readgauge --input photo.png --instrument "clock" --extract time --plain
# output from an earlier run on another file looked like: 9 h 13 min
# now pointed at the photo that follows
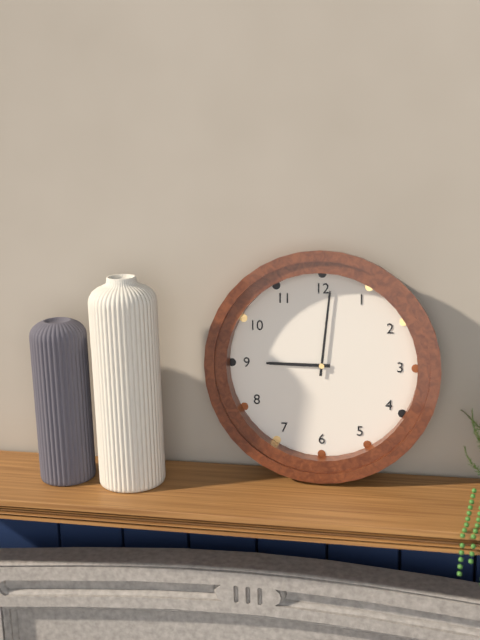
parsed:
9 h 01 min
